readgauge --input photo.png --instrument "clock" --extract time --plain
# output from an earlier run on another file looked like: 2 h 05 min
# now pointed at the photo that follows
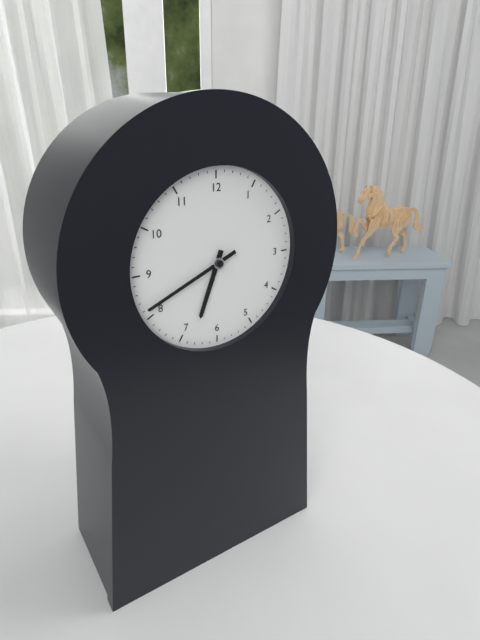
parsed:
6 h 41 min
